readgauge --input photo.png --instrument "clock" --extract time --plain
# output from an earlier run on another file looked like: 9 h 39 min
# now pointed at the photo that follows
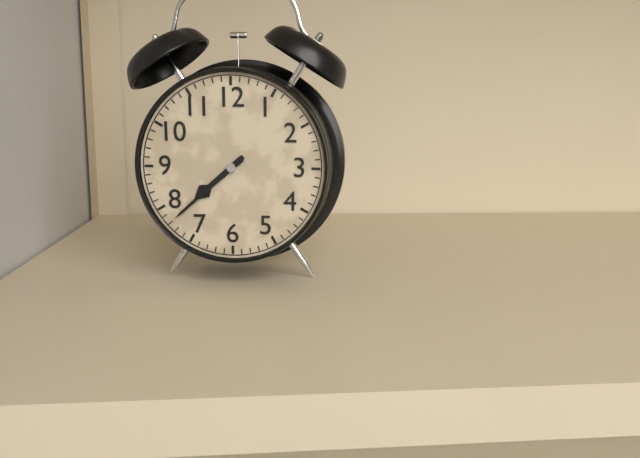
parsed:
7 h 38 min
